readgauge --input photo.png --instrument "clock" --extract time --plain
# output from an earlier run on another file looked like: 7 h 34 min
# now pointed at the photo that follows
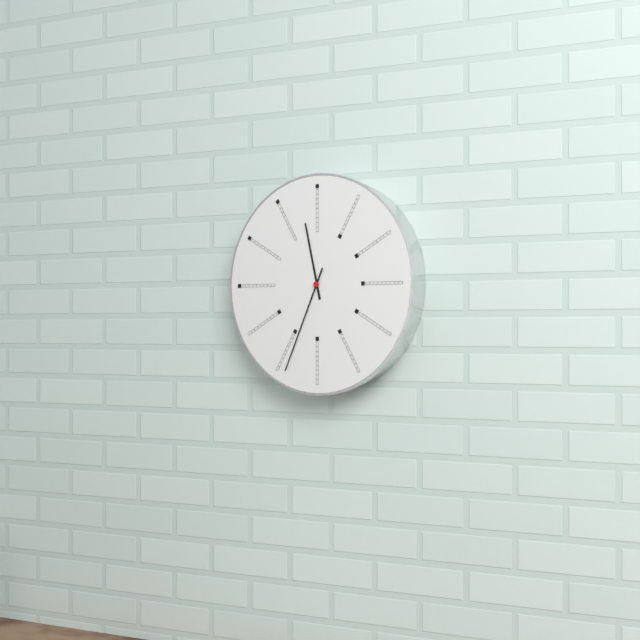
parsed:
11 h 34 min
